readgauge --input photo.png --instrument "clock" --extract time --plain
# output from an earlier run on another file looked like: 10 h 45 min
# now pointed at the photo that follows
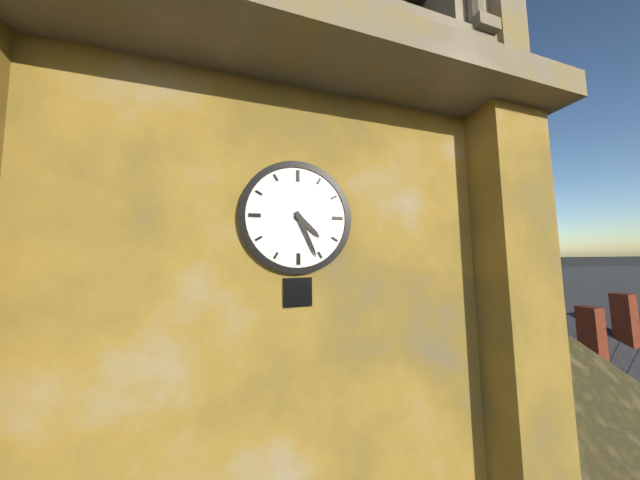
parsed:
4 h 26 min
